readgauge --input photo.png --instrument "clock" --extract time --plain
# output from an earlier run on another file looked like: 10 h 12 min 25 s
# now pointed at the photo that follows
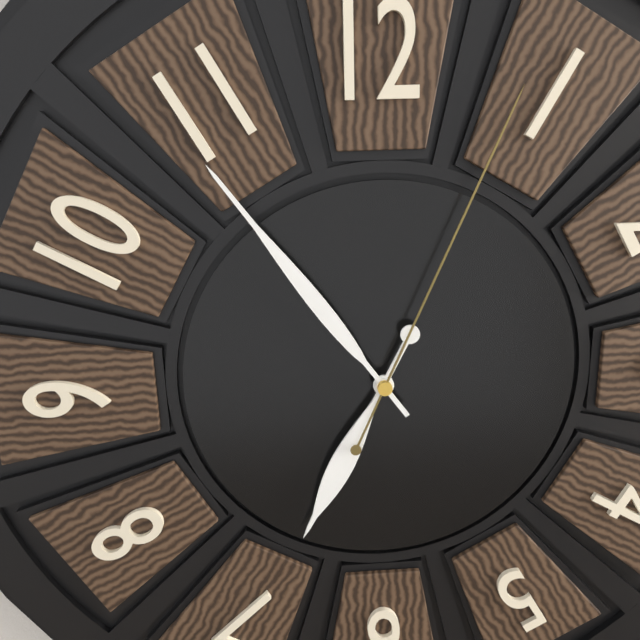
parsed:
6 h 54 min 04 s
